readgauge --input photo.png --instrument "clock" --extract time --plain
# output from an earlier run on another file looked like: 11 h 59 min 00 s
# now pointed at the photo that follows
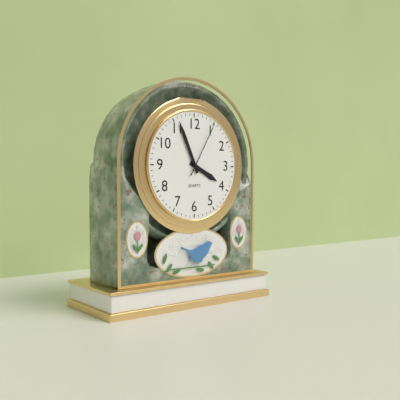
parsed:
3 h 56 min 05 s
